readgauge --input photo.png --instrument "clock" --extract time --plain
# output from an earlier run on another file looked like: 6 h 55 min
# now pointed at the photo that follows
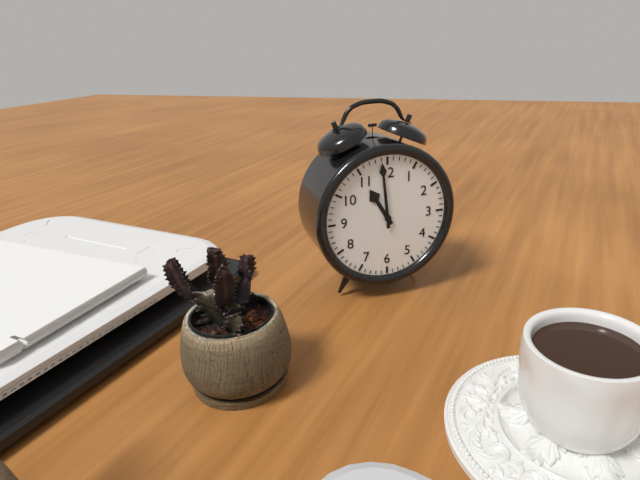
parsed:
10 h 59 min
